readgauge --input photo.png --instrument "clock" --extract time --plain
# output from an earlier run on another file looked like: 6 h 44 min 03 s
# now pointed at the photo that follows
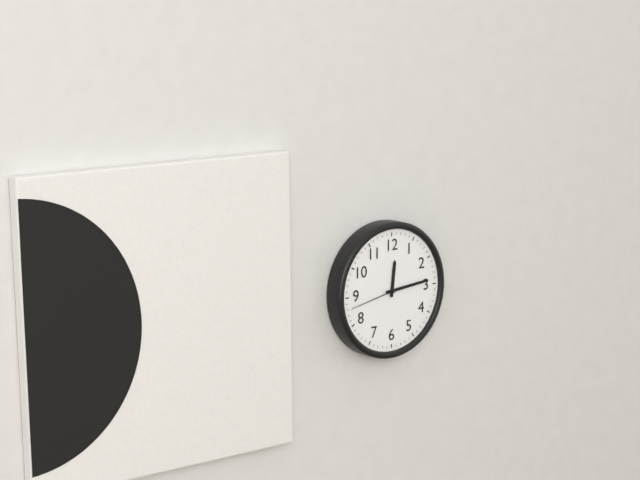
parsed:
12 h 14 min 43 s
